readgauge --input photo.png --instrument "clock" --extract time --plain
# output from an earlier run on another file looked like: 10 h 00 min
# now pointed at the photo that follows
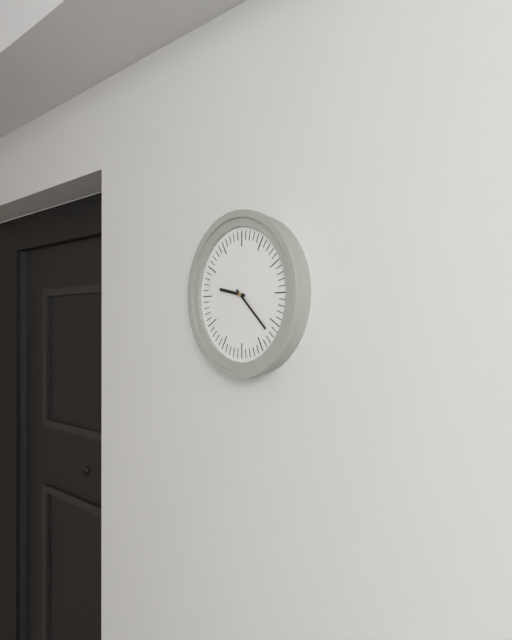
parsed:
9 h 22 min
